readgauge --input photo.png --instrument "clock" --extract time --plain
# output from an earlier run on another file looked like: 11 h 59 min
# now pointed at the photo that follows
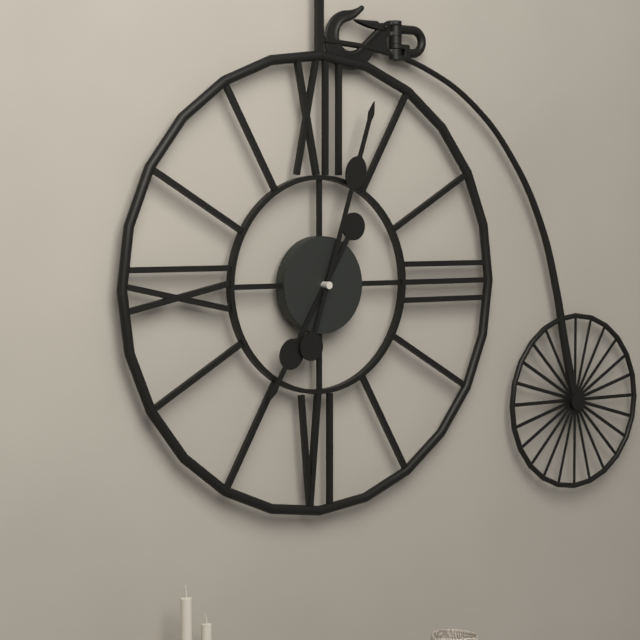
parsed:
7 h 03 min
